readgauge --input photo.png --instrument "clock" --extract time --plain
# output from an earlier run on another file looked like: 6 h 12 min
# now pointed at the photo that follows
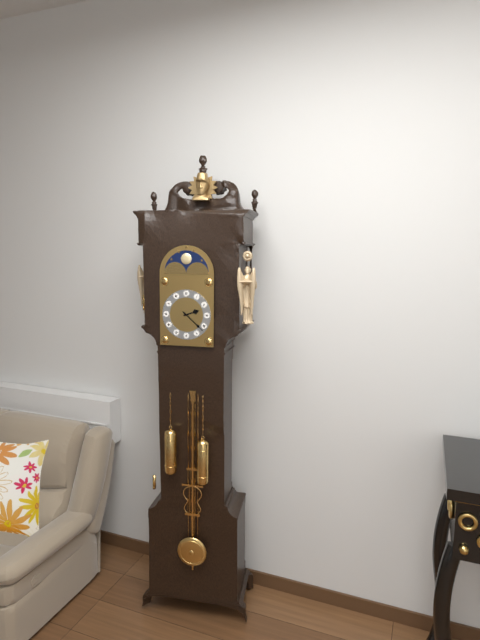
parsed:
2 h 22 min
